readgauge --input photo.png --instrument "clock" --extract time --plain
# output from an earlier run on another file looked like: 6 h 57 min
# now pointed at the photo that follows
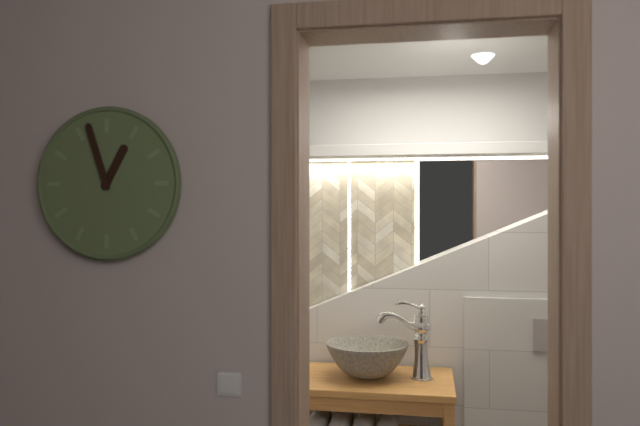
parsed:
12 h 57 min
